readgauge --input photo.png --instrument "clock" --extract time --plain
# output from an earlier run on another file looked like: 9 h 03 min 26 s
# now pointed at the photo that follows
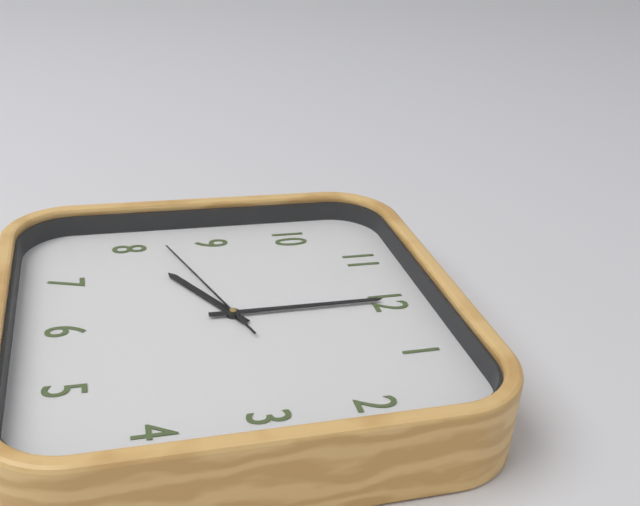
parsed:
8 h 00 min 42 s
